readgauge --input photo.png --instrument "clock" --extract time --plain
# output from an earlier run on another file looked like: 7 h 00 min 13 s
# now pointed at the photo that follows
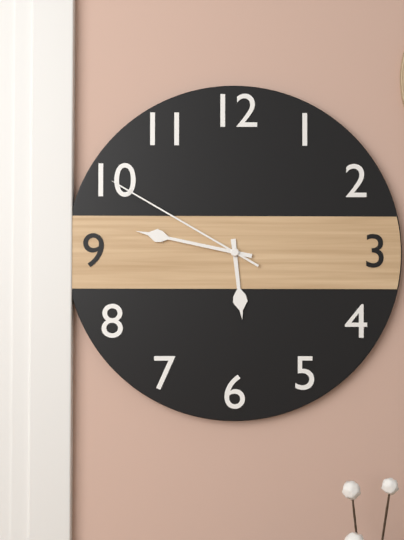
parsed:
5 h 47 min 50 s
